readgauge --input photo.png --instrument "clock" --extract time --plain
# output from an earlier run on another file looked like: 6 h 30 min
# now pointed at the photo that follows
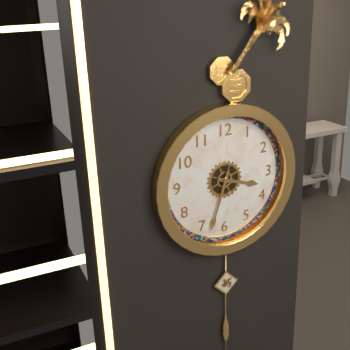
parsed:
3 h 33 min
